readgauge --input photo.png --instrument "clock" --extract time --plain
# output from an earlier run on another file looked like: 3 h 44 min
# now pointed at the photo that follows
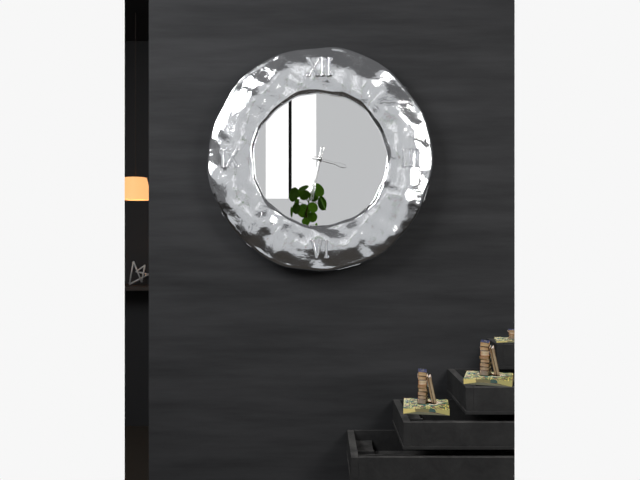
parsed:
3 h 32 min
